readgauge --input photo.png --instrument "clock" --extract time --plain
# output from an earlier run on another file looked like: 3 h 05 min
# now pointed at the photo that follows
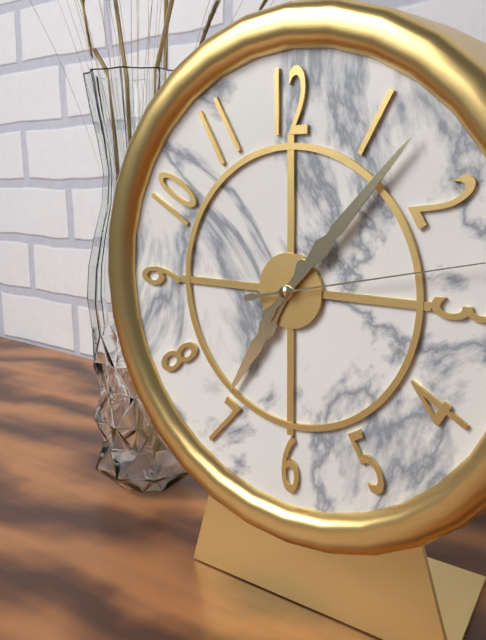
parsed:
7 h 07 min
